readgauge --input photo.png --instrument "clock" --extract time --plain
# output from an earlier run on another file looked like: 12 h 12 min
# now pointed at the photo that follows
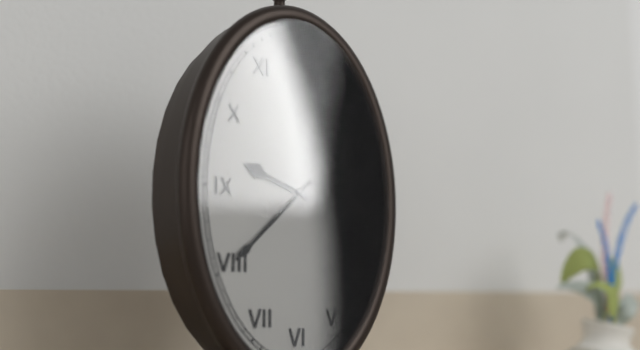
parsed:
9 h 38 min
